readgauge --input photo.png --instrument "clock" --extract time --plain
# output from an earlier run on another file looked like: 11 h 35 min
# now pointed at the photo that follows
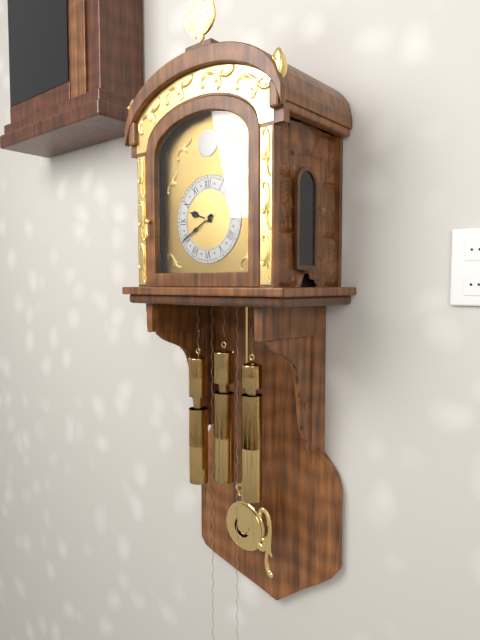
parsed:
9 h 40 min
